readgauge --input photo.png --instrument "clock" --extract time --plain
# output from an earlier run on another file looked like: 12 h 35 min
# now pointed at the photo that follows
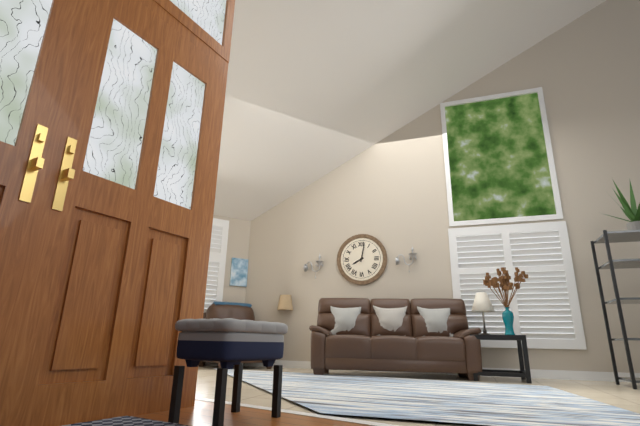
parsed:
8 h 02 min
